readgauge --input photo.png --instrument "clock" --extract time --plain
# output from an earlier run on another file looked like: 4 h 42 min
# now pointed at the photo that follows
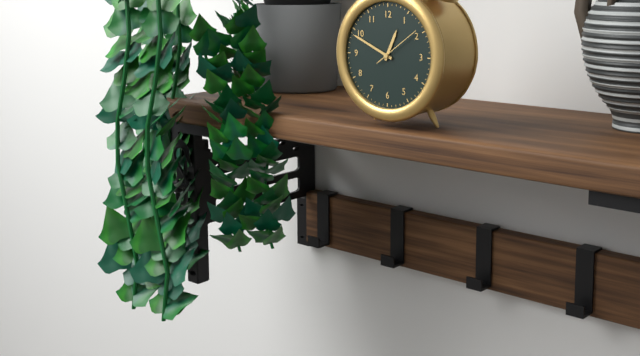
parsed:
12 h 49 min
